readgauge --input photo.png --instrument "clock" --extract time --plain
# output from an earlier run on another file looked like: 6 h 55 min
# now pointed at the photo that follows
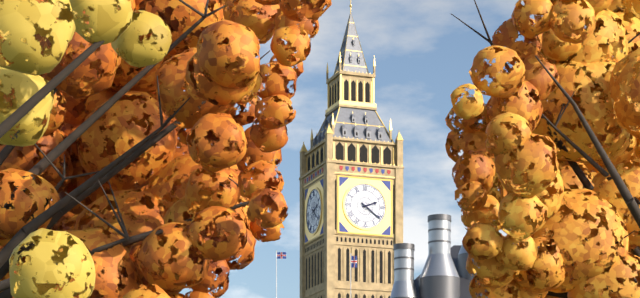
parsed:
2 h 21 min
